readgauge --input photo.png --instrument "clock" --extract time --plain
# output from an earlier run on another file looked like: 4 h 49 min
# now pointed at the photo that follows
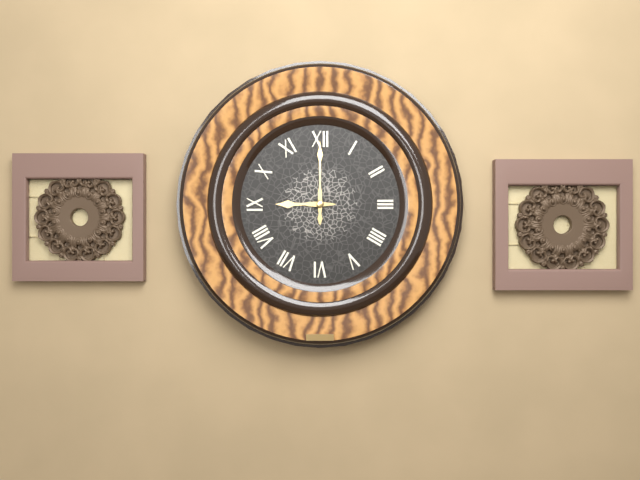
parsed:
9 h 00 min
